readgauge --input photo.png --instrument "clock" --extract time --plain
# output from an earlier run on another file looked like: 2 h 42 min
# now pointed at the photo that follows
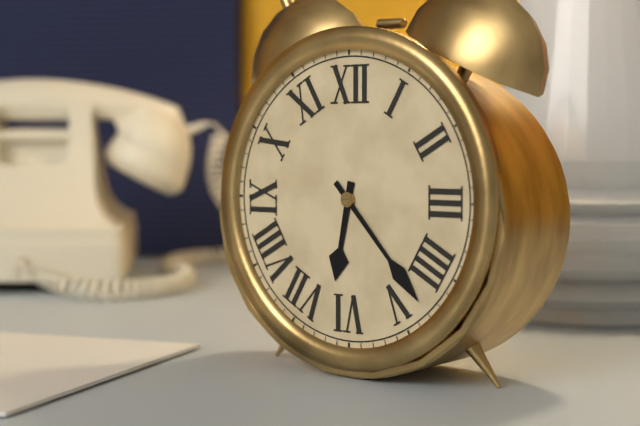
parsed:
6 h 23 min
